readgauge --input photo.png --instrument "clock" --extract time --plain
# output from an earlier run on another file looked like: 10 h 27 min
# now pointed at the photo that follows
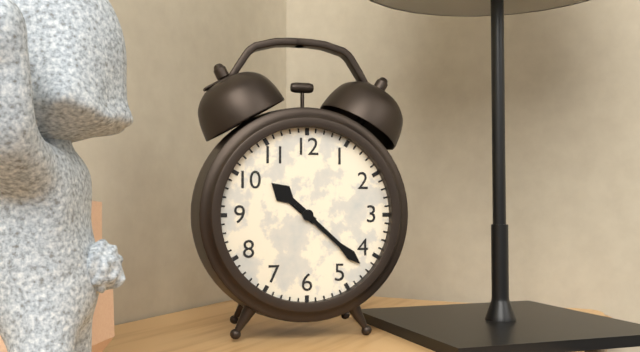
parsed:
10 h 22 min
